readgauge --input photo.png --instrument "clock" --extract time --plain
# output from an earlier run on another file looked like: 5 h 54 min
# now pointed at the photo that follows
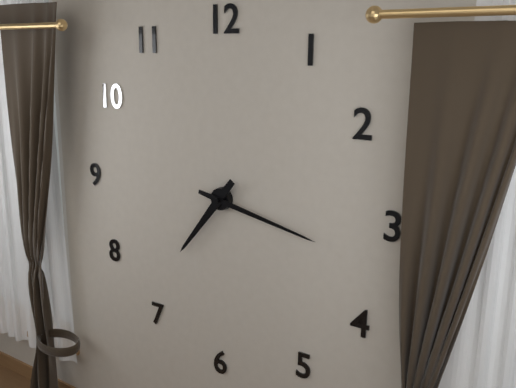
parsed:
7 h 17 min
